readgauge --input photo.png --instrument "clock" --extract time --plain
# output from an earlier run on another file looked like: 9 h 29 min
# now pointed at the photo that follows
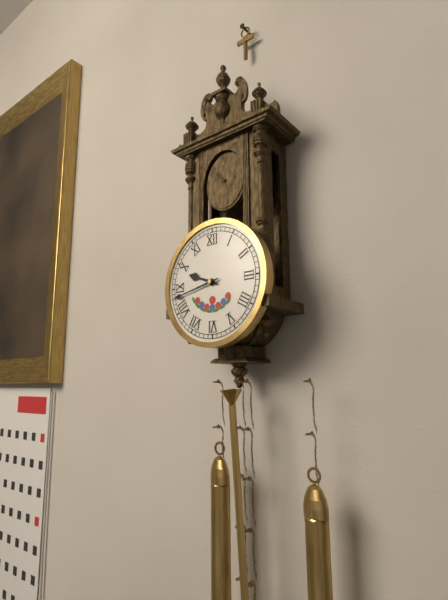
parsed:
9 h 43 min
